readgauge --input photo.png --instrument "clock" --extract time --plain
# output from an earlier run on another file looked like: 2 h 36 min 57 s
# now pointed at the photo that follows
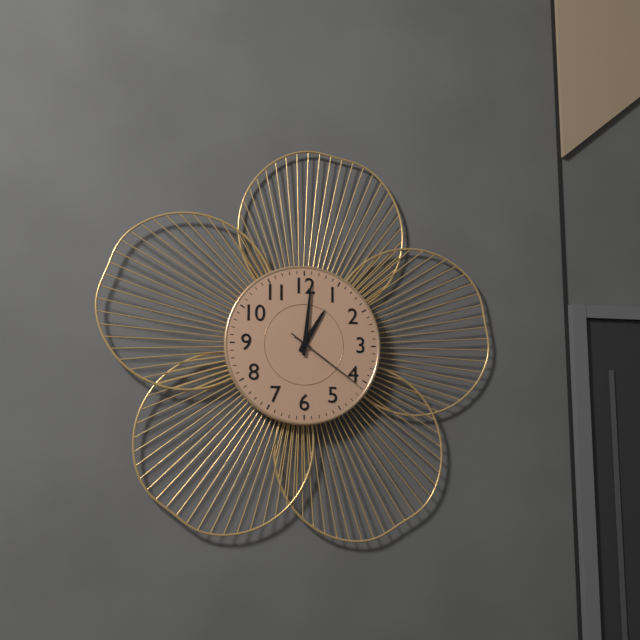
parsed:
1 h 01 min 21 s
